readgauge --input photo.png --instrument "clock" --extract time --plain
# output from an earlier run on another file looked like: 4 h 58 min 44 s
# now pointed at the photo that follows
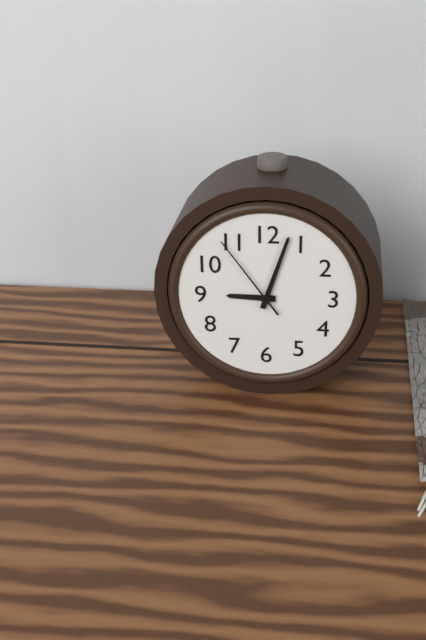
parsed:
9 h 03 min 54 s
